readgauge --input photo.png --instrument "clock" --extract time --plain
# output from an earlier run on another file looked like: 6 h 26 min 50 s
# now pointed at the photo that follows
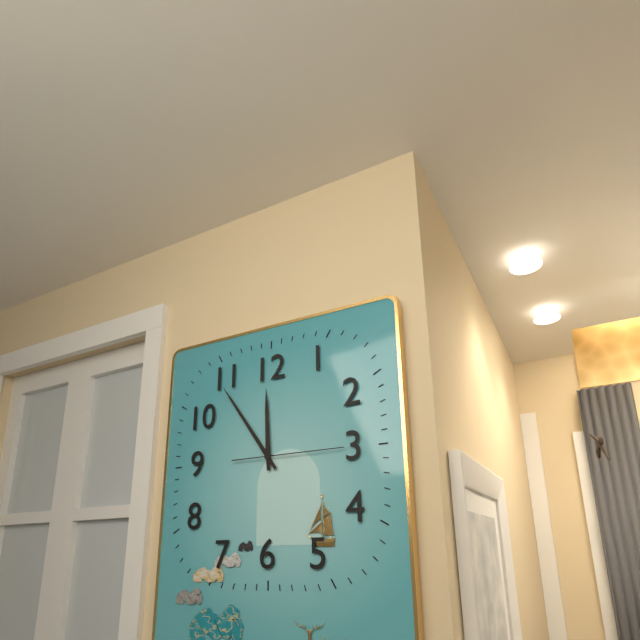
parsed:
11 h 54 min 15 s
